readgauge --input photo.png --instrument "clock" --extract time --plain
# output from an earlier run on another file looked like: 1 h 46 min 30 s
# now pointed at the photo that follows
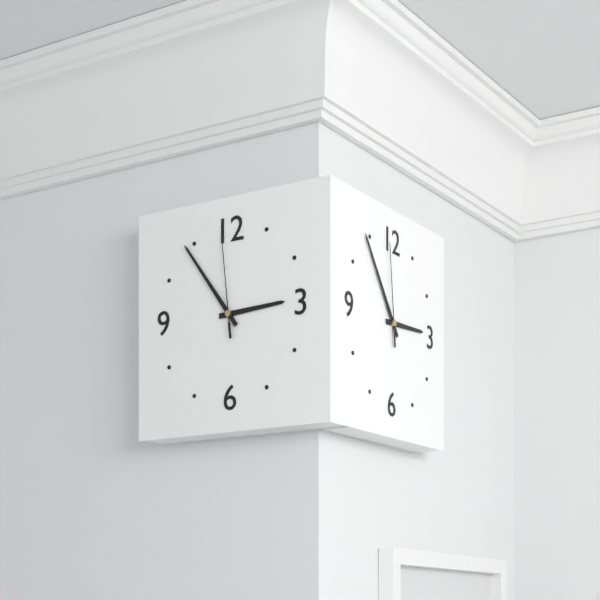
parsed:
2 h 54 min 59 s
